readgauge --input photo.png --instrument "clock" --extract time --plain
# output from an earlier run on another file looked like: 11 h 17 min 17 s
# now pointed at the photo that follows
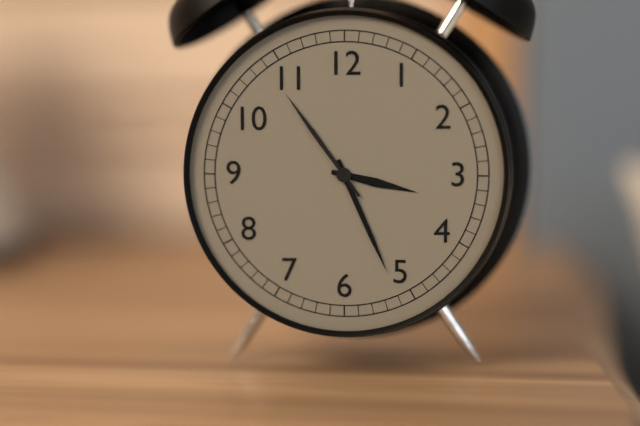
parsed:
3 h 26 min 54 s
